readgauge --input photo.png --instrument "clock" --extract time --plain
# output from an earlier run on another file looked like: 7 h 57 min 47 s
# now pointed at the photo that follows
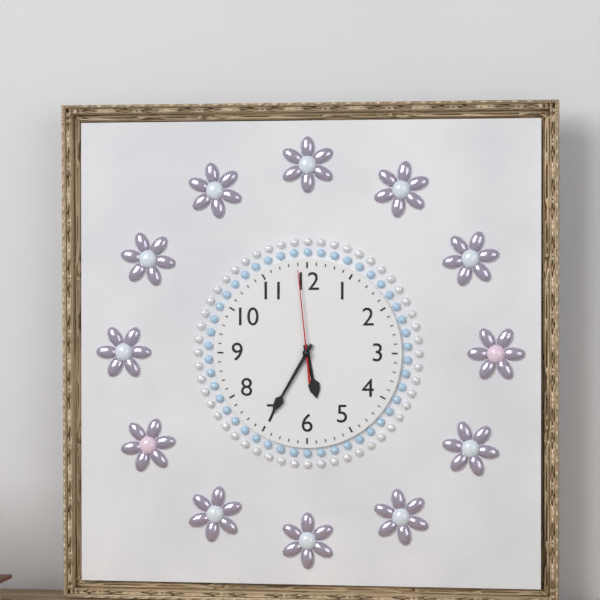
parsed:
5 h 35 min 59 s
